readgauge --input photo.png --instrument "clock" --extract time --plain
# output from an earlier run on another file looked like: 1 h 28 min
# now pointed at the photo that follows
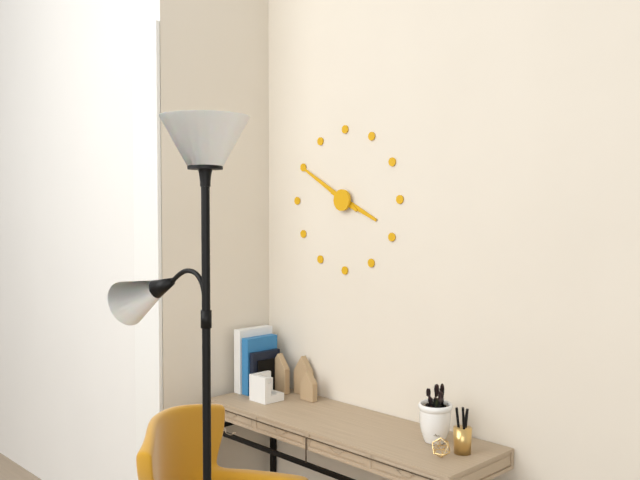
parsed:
3 h 50 min
